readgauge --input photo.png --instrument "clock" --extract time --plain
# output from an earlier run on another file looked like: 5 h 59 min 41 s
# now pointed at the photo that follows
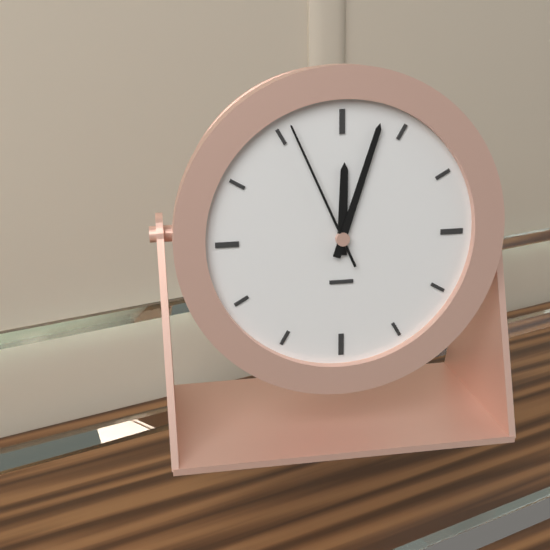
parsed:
12 h 03 min 56 s
